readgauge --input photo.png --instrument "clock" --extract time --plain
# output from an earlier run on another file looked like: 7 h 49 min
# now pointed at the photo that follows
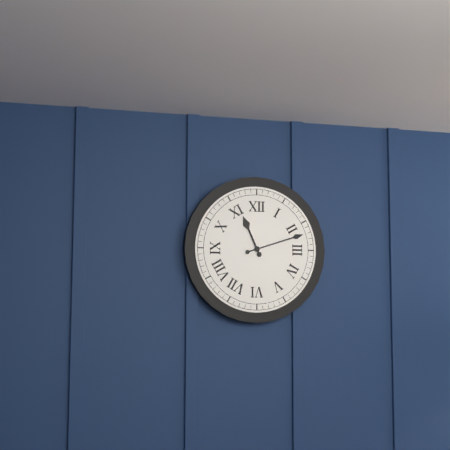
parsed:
11 h 12 min
